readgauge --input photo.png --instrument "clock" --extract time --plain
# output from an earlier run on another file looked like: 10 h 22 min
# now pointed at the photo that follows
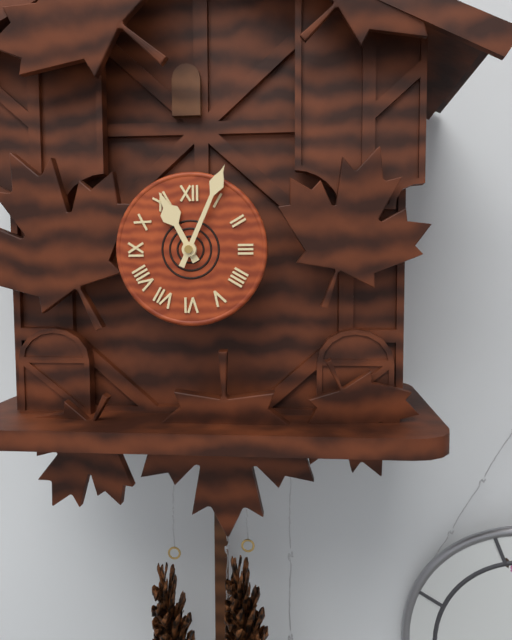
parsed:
11 h 04 min
